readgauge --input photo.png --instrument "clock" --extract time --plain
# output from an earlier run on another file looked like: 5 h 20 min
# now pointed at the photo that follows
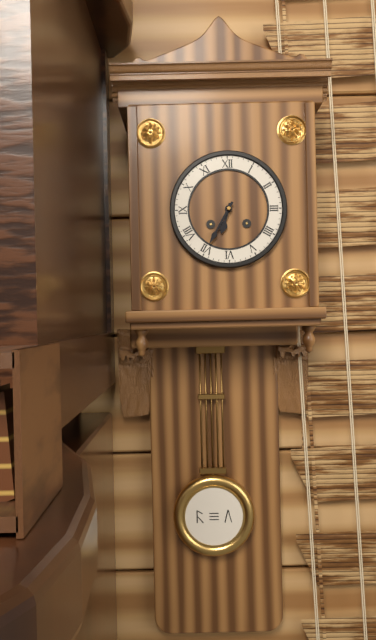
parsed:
6 h 35 min
